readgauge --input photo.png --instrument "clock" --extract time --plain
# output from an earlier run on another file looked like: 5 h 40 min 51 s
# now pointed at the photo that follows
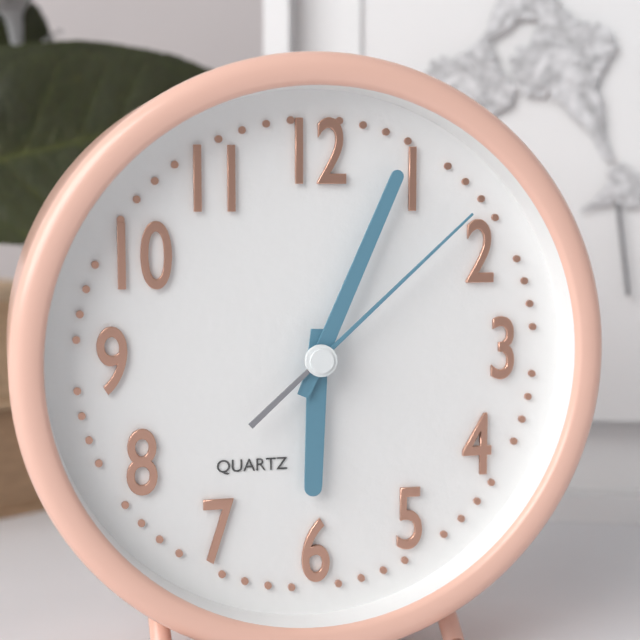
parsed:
6 h 04 min 08 s
